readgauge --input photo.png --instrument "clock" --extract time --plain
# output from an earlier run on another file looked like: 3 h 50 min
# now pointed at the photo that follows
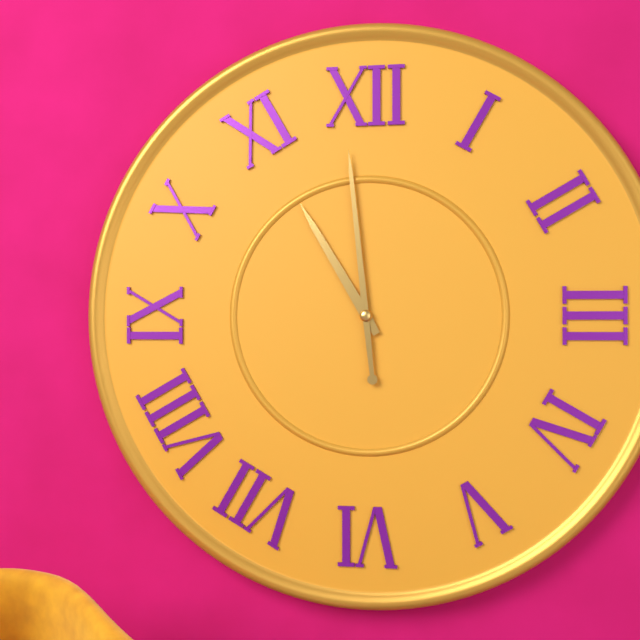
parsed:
10 h 59 min
